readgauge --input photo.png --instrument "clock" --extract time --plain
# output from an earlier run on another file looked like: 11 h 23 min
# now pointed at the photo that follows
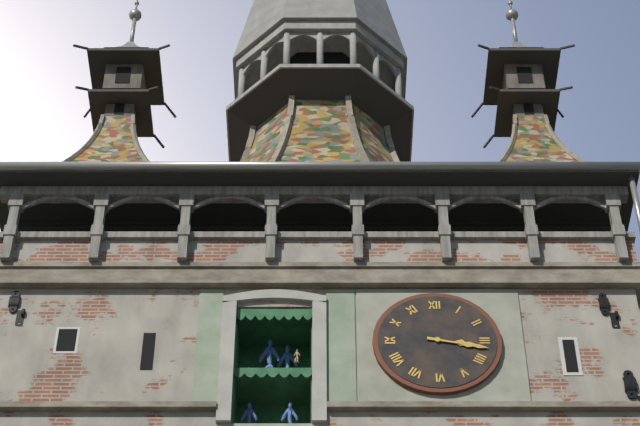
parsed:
3 h 17 min
